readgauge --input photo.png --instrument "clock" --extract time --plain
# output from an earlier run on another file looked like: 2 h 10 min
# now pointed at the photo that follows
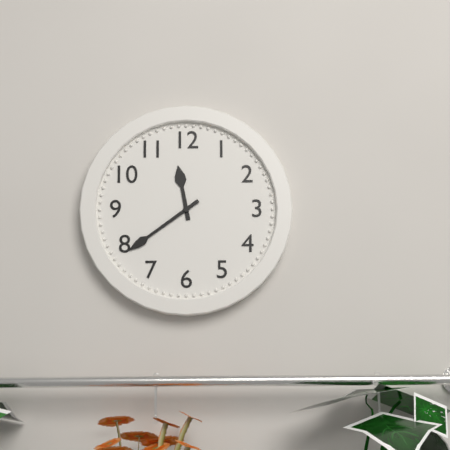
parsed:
11 h 39 min
